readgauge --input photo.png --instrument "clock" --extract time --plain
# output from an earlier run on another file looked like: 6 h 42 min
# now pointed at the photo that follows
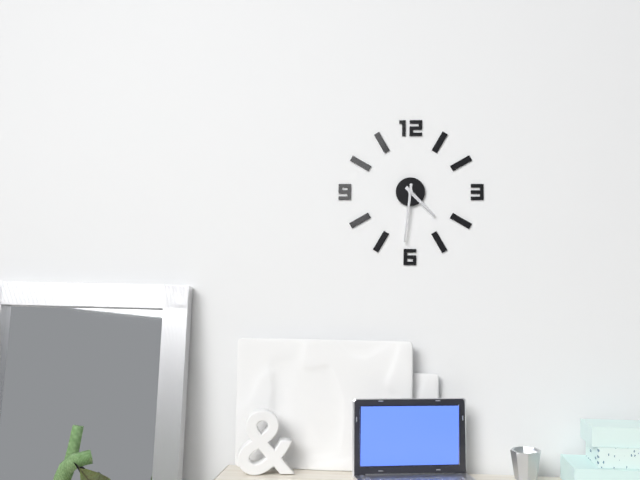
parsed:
4 h 31 min
